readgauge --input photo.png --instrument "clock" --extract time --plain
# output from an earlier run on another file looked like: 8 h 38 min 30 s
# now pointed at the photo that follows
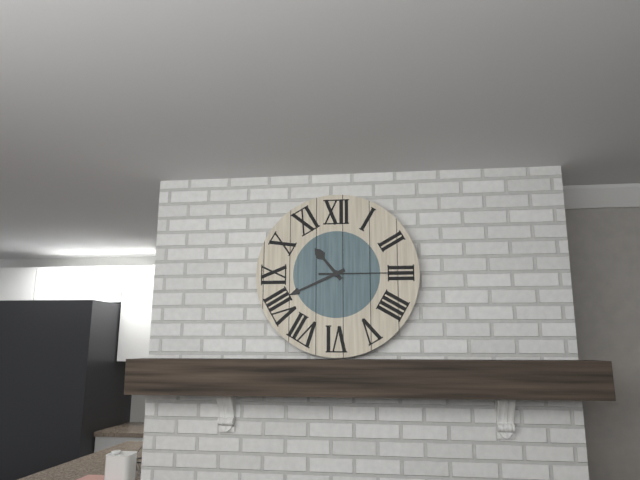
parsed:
10 h 41 min 15 s
